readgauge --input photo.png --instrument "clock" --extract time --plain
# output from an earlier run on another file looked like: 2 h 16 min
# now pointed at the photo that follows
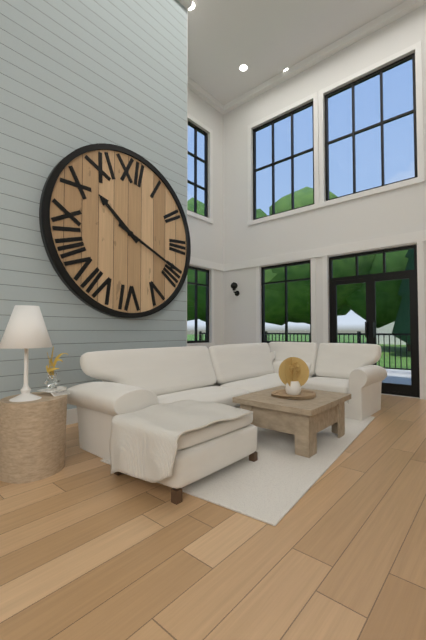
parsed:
10 h 19 min
